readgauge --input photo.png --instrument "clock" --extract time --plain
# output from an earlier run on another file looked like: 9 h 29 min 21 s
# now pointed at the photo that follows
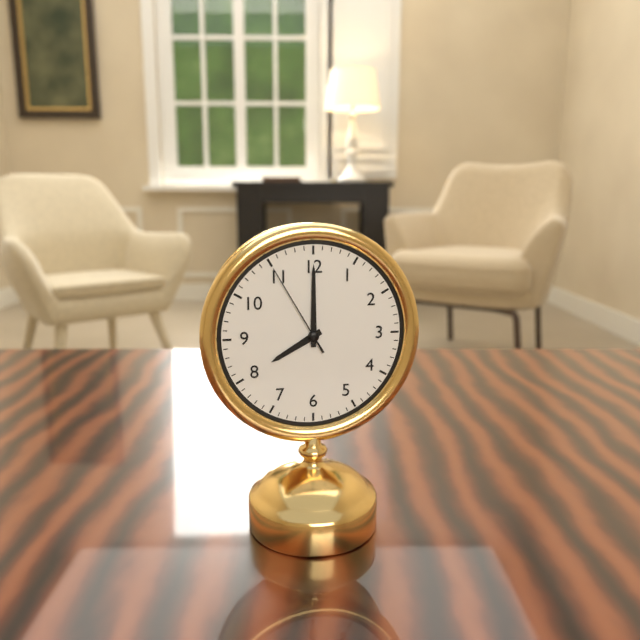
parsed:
8 h 00 min 55 s
